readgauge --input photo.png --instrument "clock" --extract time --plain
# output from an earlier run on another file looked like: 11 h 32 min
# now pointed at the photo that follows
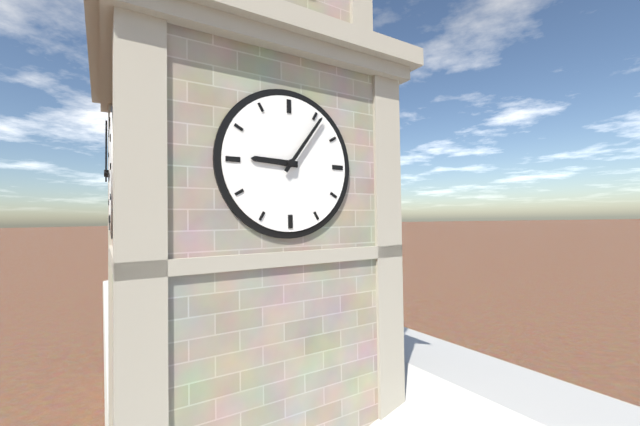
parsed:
9 h 06 min
